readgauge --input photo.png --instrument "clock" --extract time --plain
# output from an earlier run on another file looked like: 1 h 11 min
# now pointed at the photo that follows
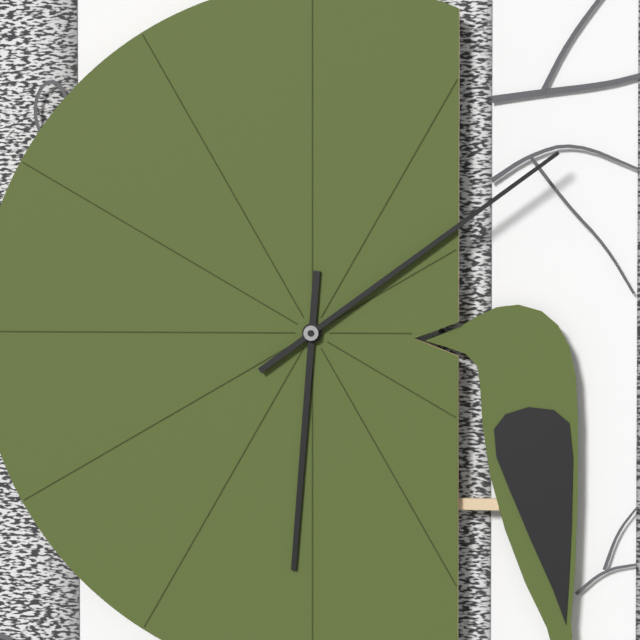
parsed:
6 h 09 min
